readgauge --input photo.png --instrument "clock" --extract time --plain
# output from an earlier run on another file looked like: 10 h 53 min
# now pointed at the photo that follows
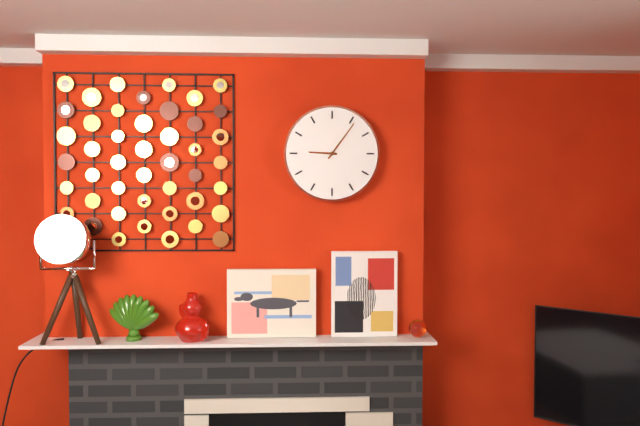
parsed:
9 h 06 min
